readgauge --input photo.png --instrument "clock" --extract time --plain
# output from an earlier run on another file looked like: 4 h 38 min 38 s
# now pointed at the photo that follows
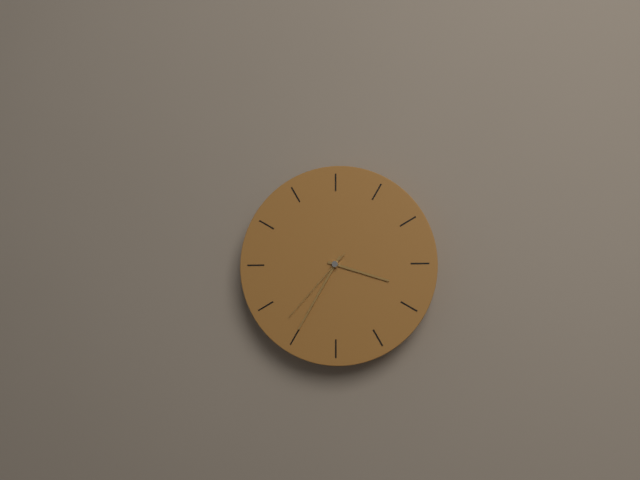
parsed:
3 h 35 min 37 s
